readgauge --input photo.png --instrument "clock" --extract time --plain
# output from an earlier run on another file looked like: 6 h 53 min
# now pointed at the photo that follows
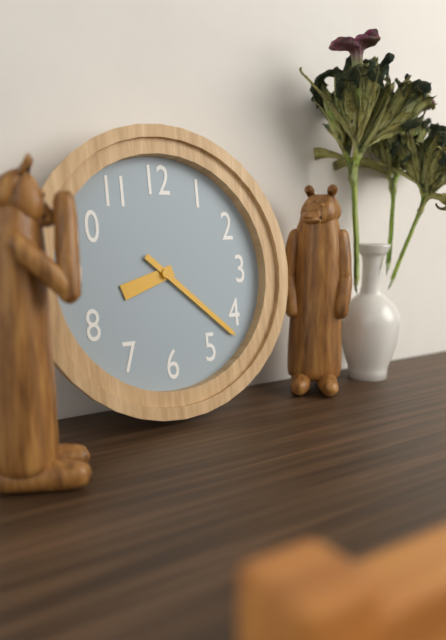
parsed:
8 h 22 min
